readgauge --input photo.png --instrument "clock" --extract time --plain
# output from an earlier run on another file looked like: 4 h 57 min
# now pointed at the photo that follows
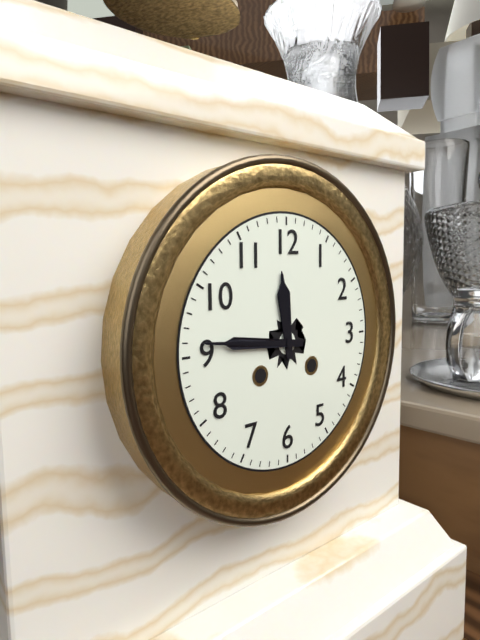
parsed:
11 h 46 min
